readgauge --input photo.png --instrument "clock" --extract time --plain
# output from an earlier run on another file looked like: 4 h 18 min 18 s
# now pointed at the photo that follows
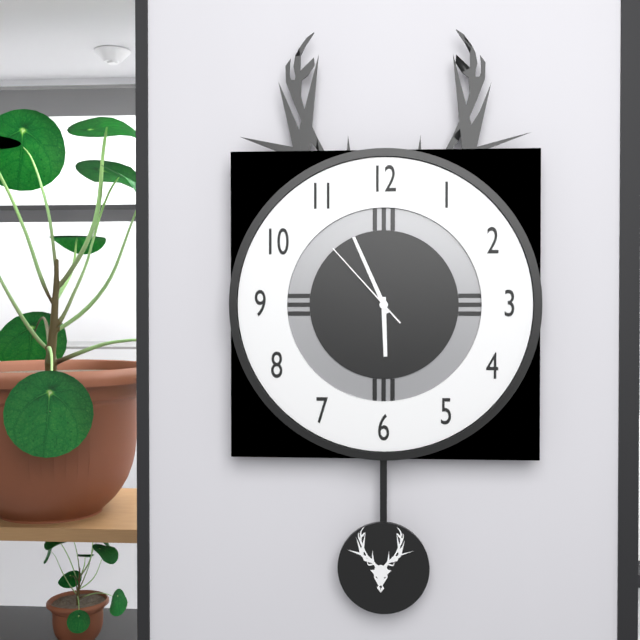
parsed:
5 h 56 min 53 s
